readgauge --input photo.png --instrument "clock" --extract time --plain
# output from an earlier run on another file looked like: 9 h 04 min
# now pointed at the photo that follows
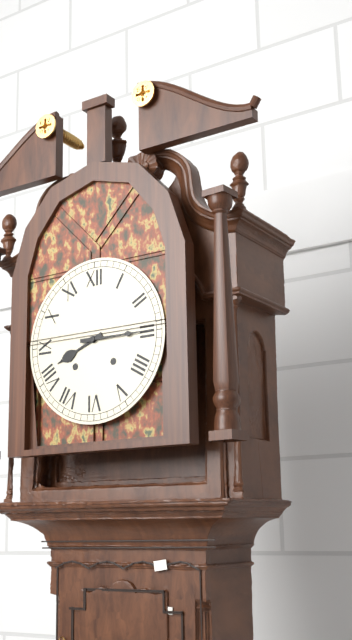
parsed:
8 h 15 min
